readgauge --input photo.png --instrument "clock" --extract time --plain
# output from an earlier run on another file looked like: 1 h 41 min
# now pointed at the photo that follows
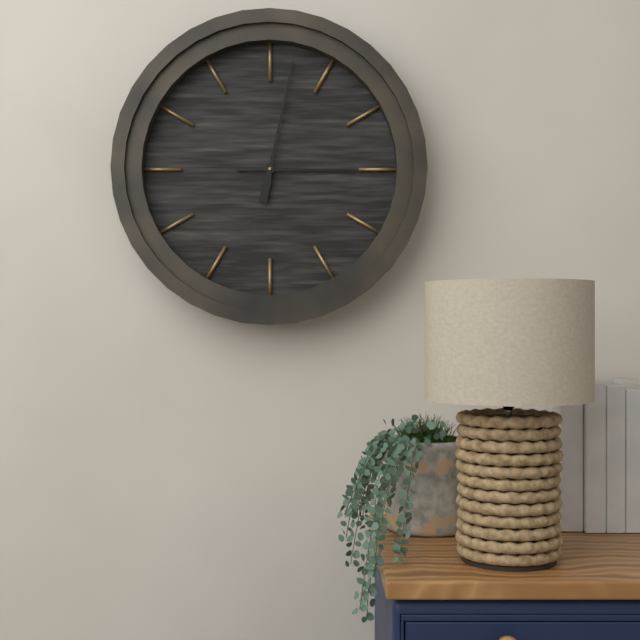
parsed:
3 h 02 min
